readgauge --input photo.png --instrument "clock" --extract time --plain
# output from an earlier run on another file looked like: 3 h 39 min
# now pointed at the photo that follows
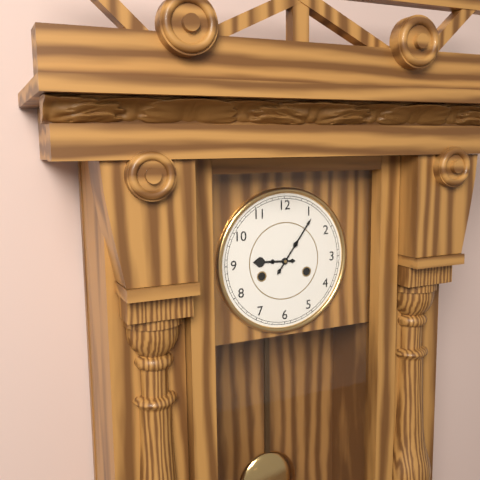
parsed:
9 h 06 min
